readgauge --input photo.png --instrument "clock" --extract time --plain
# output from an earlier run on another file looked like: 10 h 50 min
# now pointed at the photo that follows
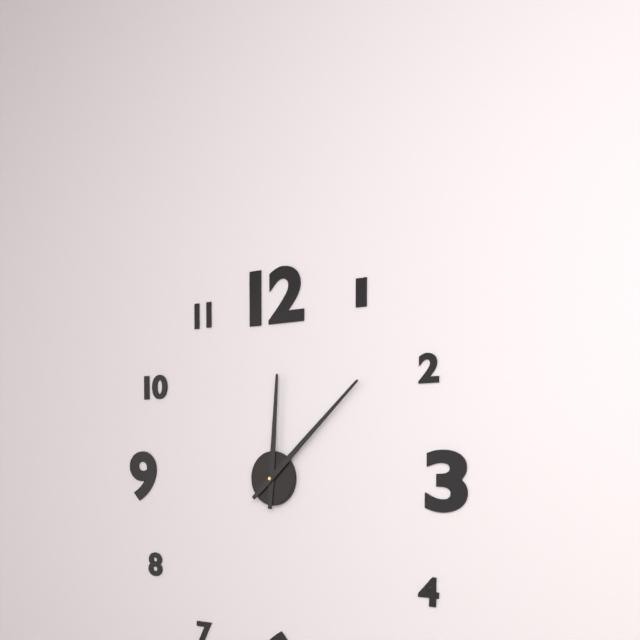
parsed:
12 h 08 min
